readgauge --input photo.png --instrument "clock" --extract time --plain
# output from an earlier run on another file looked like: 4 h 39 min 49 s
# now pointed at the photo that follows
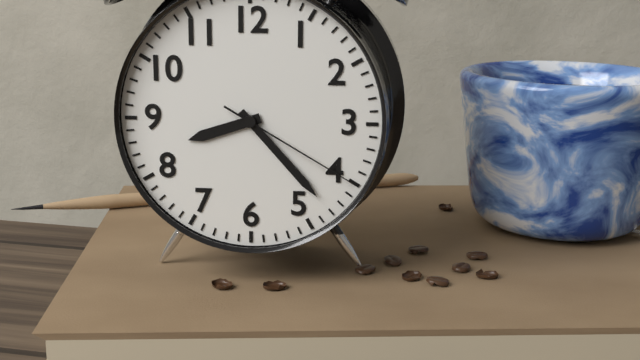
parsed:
8 h 23 min 20 s
